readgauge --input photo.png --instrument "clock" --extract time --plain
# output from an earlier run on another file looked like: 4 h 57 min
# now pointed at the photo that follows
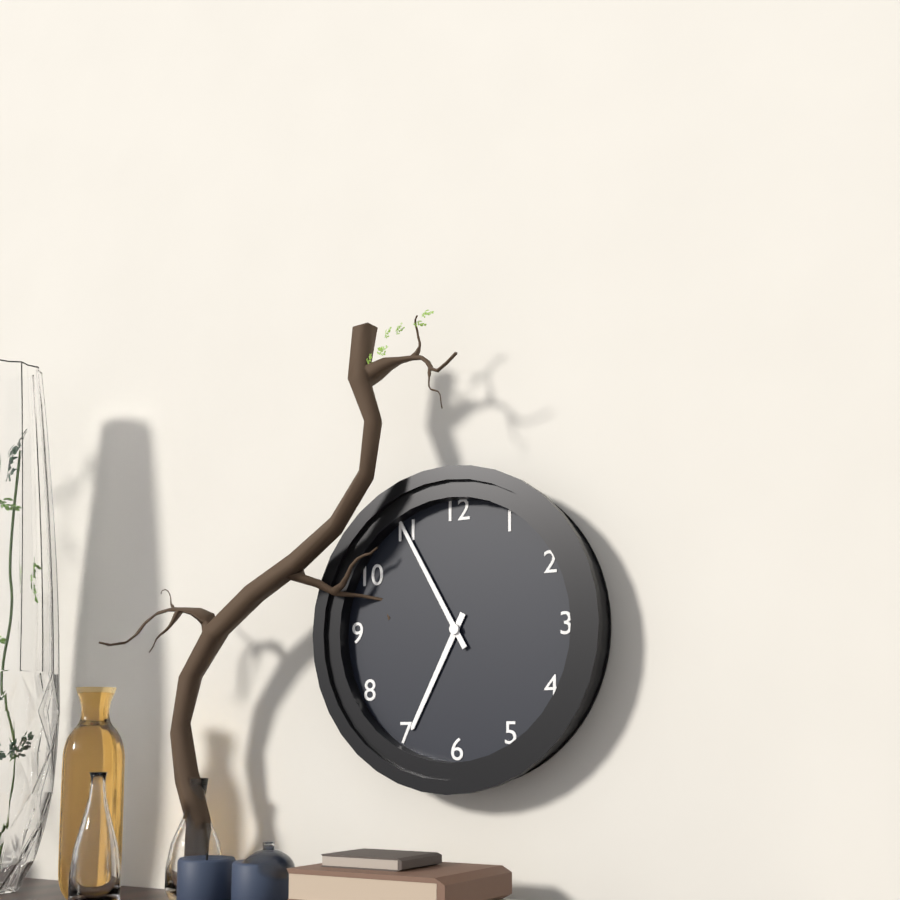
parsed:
6 h 55 min
